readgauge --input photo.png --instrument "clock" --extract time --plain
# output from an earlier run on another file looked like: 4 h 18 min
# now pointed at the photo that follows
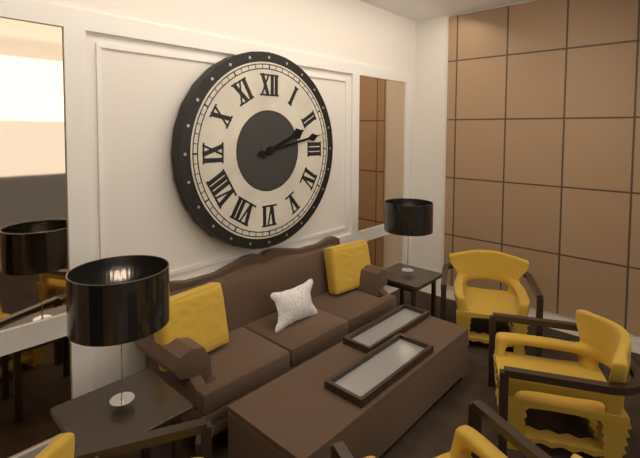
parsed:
2 h 13 min
